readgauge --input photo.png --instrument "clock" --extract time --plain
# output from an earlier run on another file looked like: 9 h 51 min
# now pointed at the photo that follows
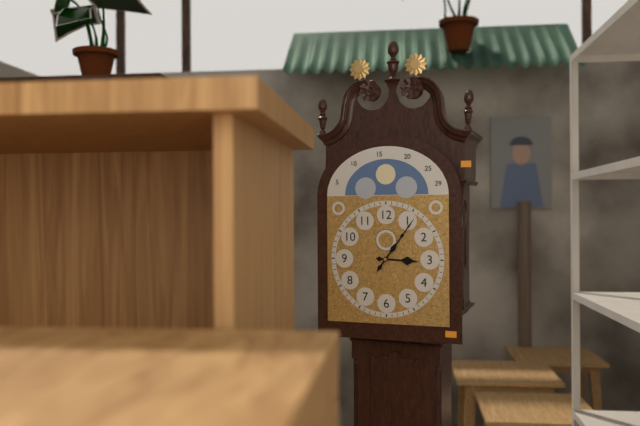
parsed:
3 h 06 min
